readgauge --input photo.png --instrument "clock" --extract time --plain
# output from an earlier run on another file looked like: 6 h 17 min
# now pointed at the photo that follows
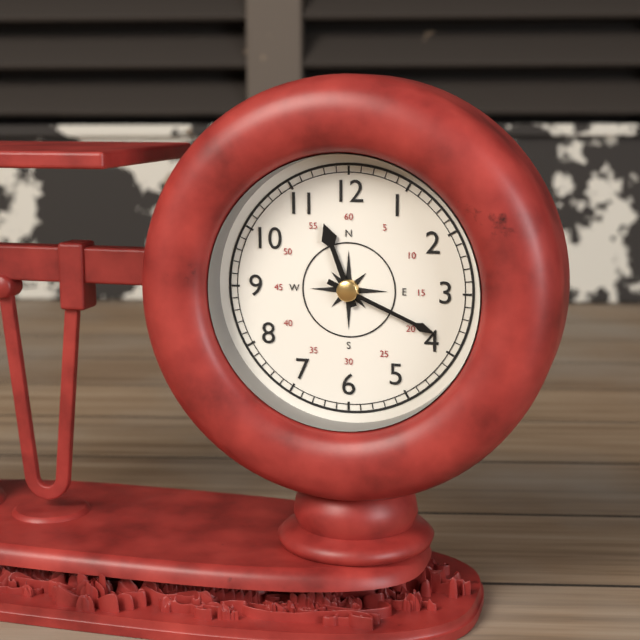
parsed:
11 h 19 min
